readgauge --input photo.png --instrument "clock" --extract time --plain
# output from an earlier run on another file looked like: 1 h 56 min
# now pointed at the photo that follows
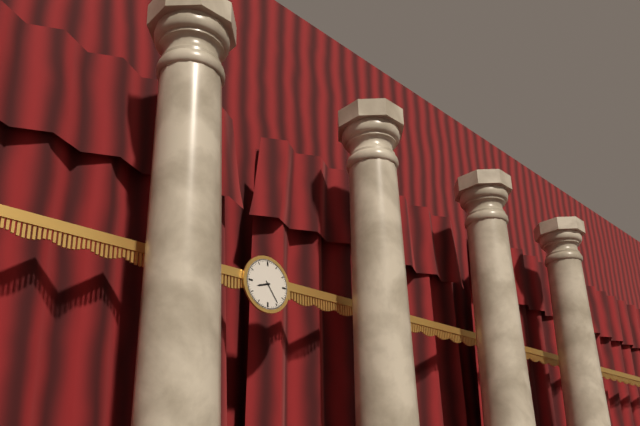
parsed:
8 h 24 min
